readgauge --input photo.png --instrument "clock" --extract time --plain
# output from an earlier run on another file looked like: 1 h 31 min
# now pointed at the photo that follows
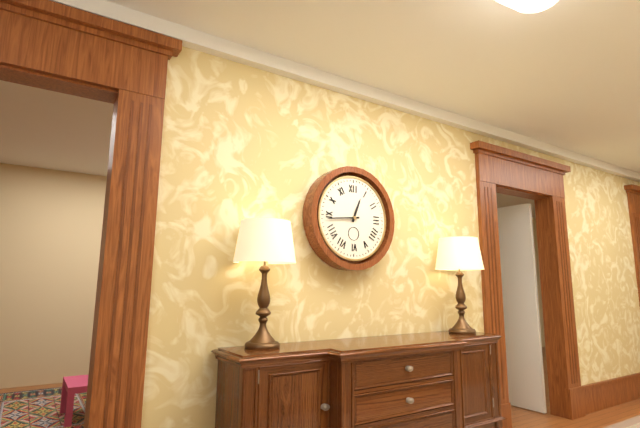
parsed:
12 h 44 min
